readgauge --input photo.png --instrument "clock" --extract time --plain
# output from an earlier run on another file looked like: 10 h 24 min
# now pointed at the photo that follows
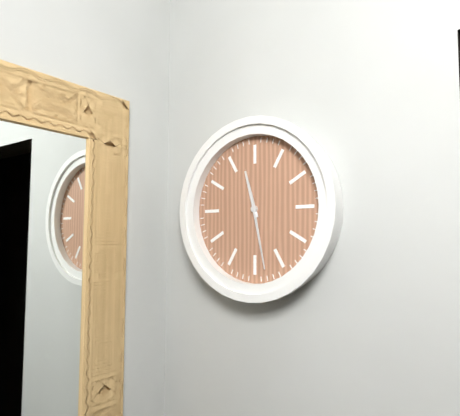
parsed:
11 h 28 min
